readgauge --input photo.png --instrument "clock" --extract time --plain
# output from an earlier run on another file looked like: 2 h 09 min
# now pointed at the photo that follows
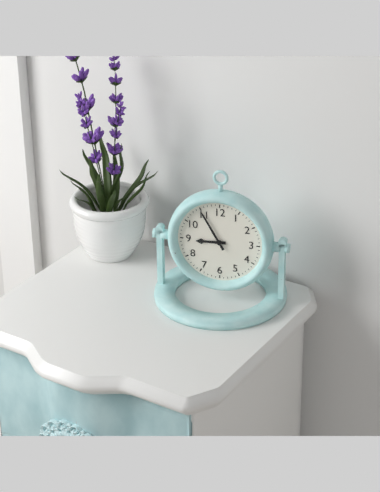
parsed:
8 h 55 min
